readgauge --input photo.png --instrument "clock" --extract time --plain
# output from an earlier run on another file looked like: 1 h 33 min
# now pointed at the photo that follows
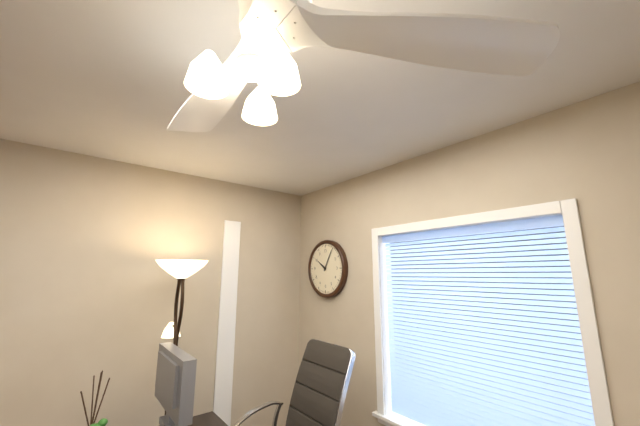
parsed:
10 h 05 min
